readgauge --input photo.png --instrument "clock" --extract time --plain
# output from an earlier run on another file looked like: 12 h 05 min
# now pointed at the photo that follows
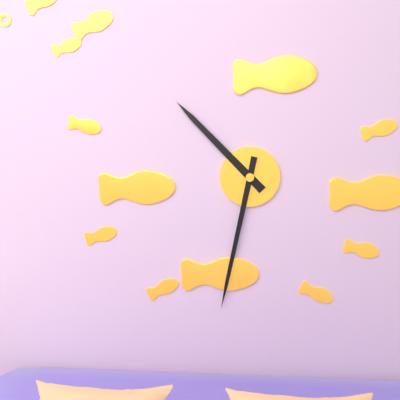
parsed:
10 h 32 min
